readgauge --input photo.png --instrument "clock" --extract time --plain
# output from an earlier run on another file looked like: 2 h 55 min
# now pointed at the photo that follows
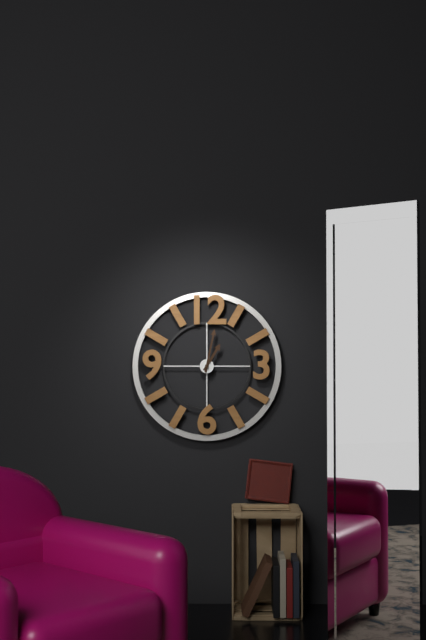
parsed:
1 h 02 min
